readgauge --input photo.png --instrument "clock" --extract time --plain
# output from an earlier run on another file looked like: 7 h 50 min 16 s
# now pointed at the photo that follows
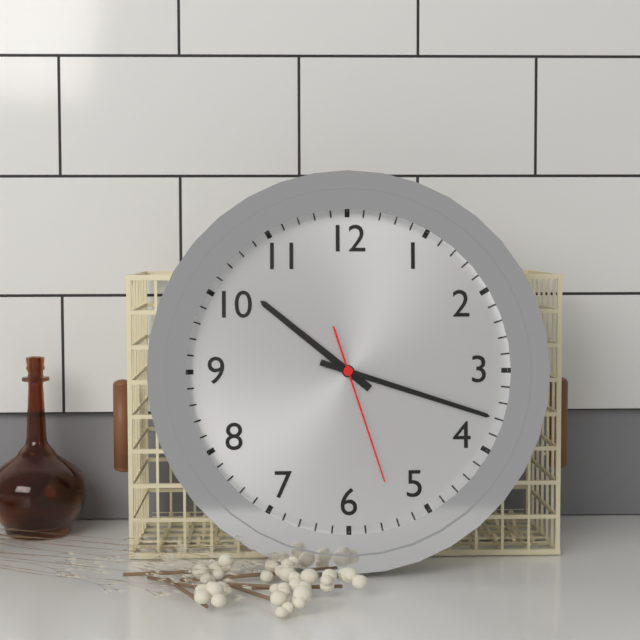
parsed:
10 h 18 min 27 s
